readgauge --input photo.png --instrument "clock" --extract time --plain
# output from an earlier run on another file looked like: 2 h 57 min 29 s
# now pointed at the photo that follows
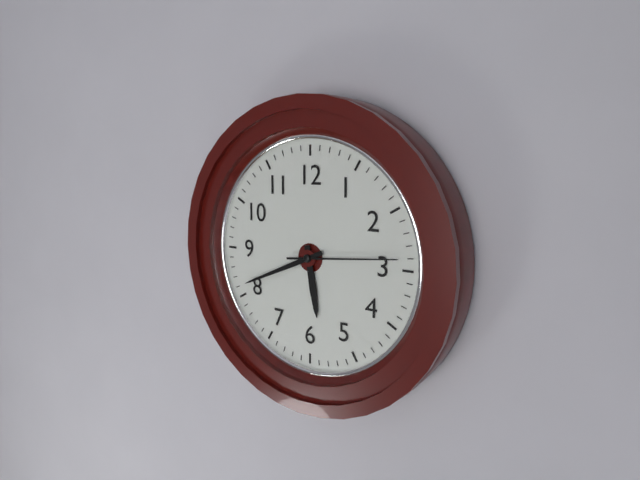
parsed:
5 h 41 min 14 s
